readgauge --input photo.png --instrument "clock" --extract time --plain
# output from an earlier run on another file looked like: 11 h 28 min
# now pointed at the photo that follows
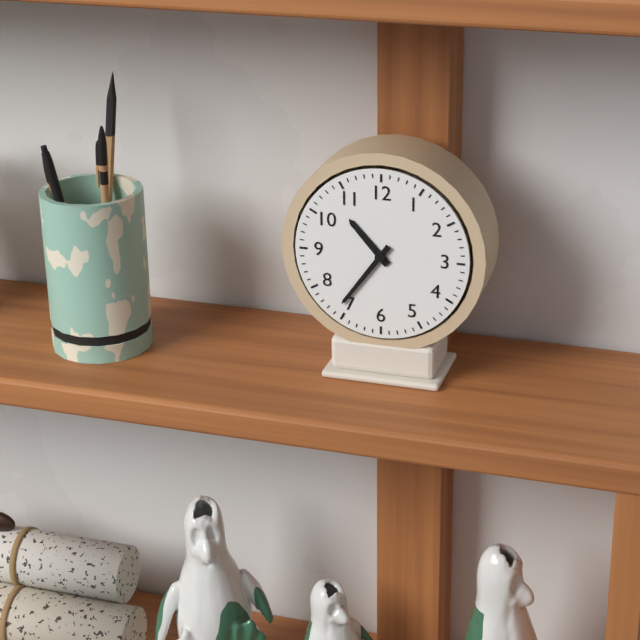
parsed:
10 h 36 min
